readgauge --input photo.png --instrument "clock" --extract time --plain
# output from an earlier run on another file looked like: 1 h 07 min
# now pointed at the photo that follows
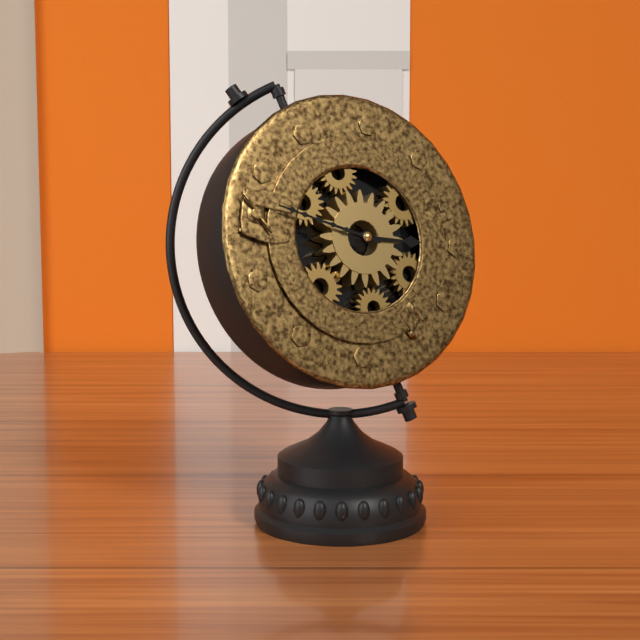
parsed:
2 h 46 min
